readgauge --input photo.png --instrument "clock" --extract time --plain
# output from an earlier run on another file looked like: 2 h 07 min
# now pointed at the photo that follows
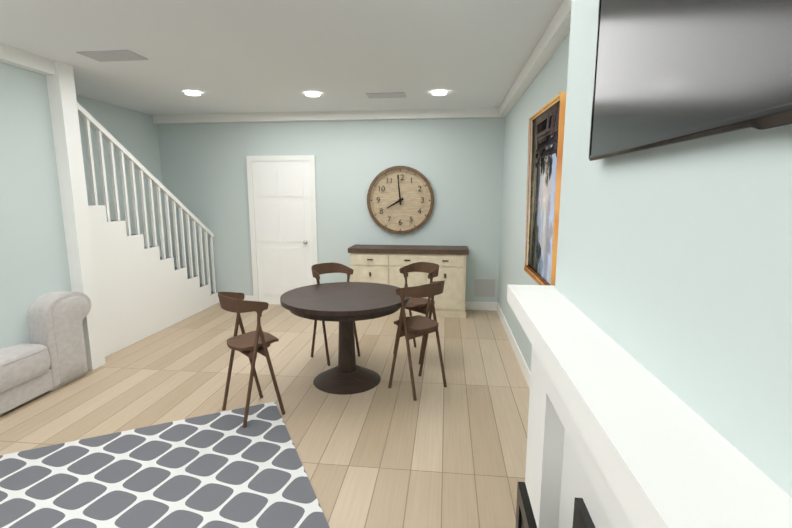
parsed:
7 h 59 min
